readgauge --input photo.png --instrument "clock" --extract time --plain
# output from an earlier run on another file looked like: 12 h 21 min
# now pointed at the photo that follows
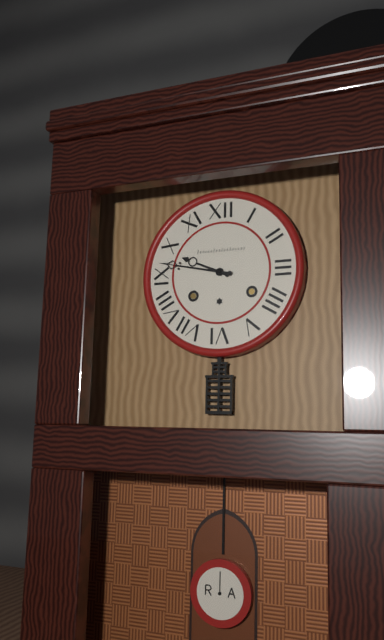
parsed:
9 h 47 min
